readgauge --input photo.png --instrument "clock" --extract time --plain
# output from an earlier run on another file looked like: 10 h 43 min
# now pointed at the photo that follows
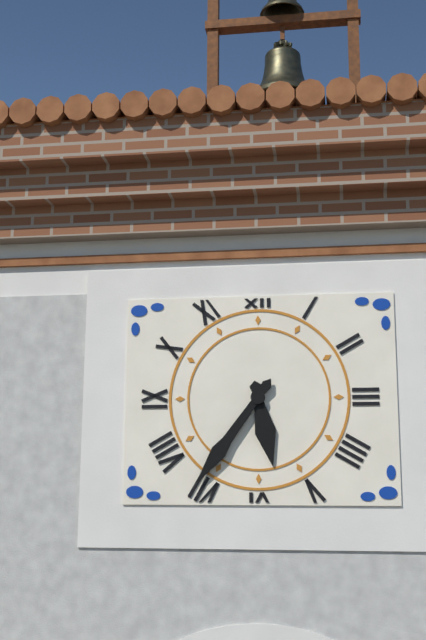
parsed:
5 h 36 min
